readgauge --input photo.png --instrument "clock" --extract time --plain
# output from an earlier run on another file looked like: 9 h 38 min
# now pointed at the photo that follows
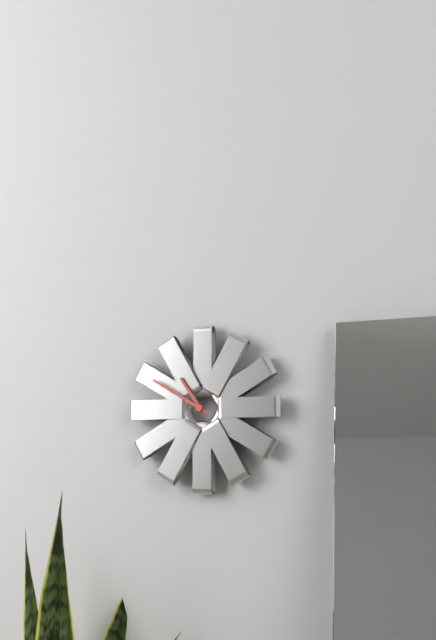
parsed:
10 h 50 min
